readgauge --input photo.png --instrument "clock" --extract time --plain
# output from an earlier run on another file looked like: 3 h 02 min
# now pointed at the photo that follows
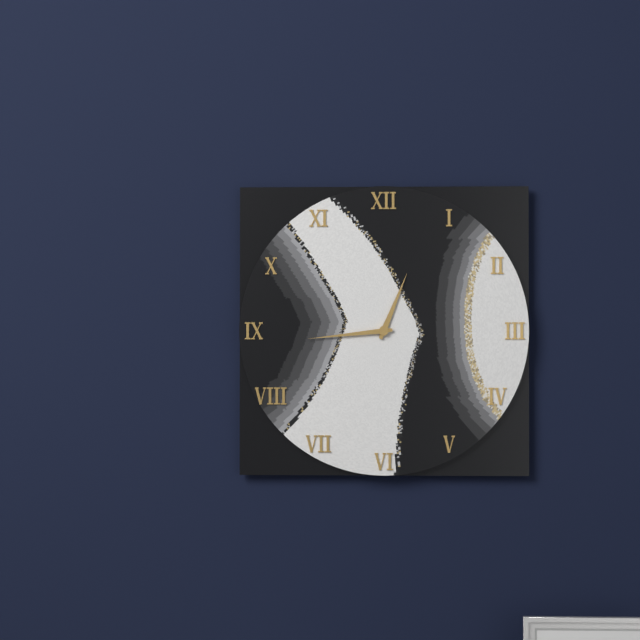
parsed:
12 h 44 min
